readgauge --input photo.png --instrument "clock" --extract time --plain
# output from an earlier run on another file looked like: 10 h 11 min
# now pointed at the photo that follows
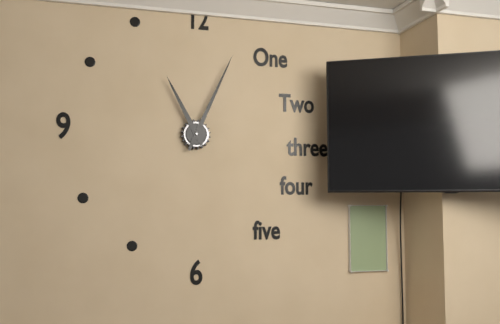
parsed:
11 h 04 min
